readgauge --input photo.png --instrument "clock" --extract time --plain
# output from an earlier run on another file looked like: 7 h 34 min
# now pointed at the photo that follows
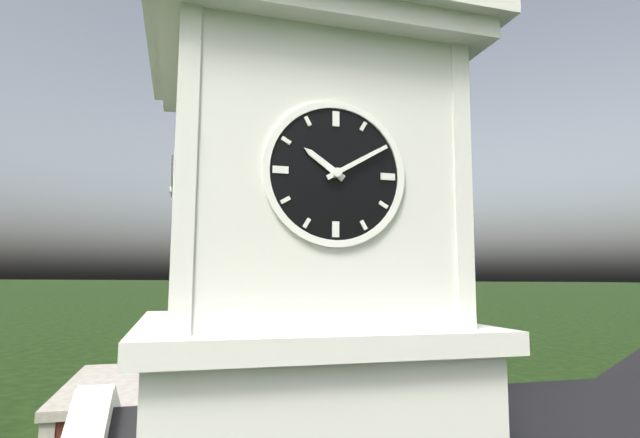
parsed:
10 h 10 min
